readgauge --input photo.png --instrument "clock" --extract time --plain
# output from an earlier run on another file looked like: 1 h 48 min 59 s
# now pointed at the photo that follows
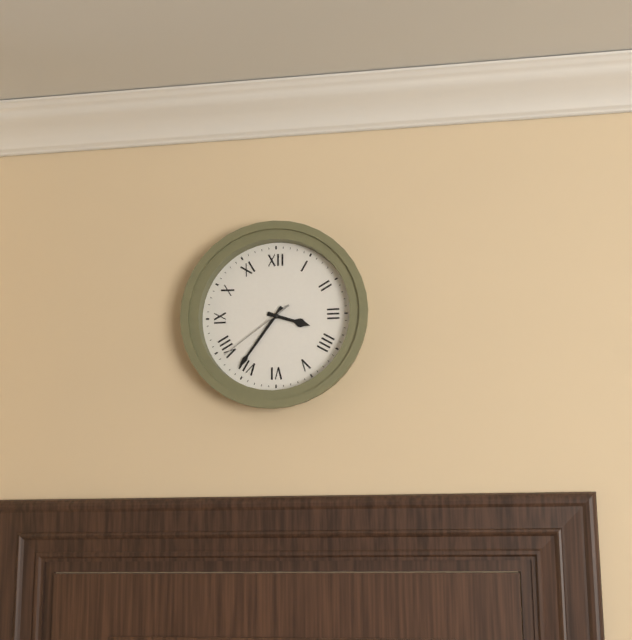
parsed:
3 h 36 min 39 s
